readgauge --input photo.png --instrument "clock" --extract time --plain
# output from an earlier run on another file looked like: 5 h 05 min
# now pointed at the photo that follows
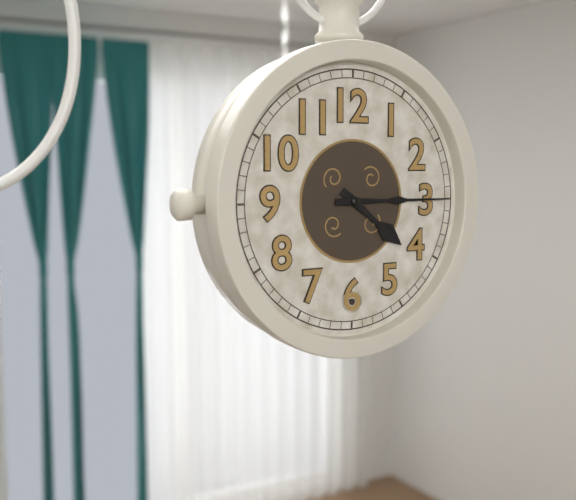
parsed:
4 h 15 min
